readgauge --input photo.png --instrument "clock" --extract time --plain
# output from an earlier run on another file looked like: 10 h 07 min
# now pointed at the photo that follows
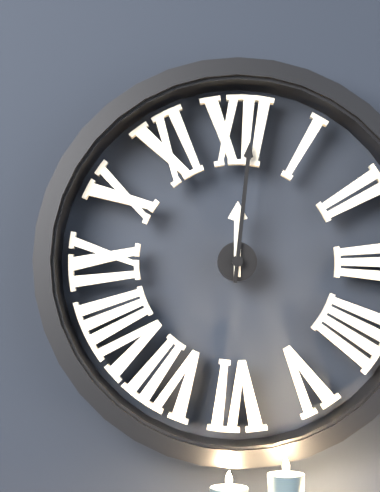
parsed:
12 h 01 min
